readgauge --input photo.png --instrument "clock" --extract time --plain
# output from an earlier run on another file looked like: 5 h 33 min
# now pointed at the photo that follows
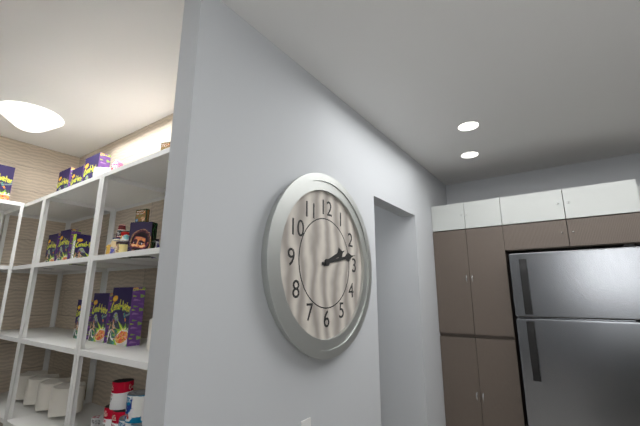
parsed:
2 h 13 min
